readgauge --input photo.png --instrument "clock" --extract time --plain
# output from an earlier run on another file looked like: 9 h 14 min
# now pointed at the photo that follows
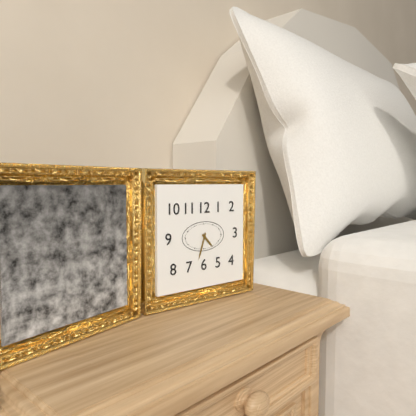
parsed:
4 h 33 min
